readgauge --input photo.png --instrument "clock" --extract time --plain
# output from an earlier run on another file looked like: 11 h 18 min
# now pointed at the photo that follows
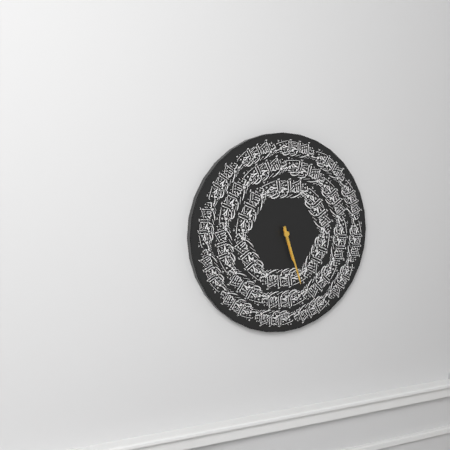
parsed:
5 h 27 min
